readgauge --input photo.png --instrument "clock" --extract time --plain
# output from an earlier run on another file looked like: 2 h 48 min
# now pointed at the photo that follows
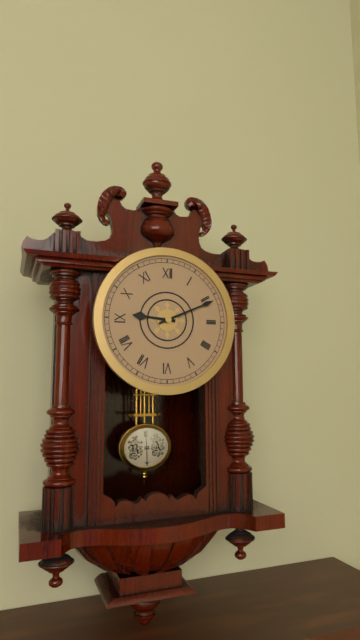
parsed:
9 h 11 min
